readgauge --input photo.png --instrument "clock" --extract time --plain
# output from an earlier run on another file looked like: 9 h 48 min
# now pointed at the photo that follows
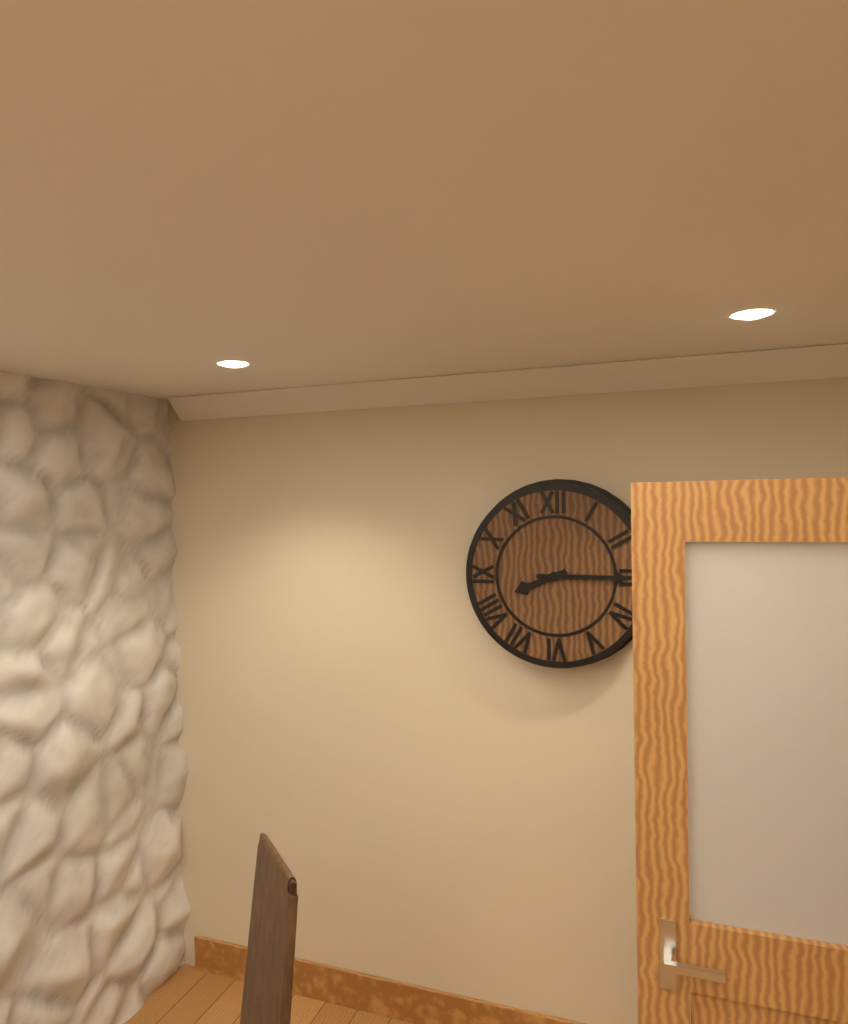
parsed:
8 h 15 min
